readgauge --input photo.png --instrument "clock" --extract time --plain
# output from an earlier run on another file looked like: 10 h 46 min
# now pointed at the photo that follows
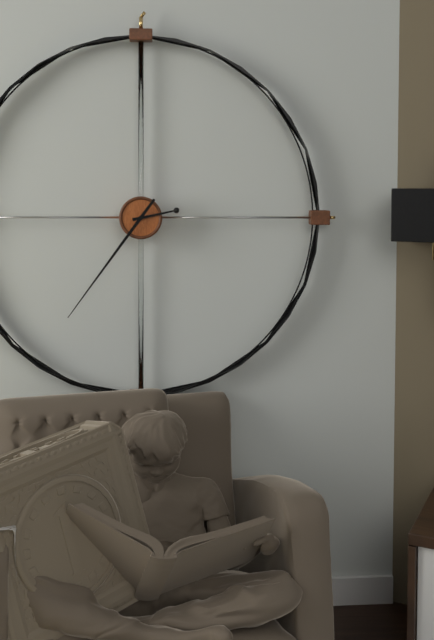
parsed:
2 h 36 min
